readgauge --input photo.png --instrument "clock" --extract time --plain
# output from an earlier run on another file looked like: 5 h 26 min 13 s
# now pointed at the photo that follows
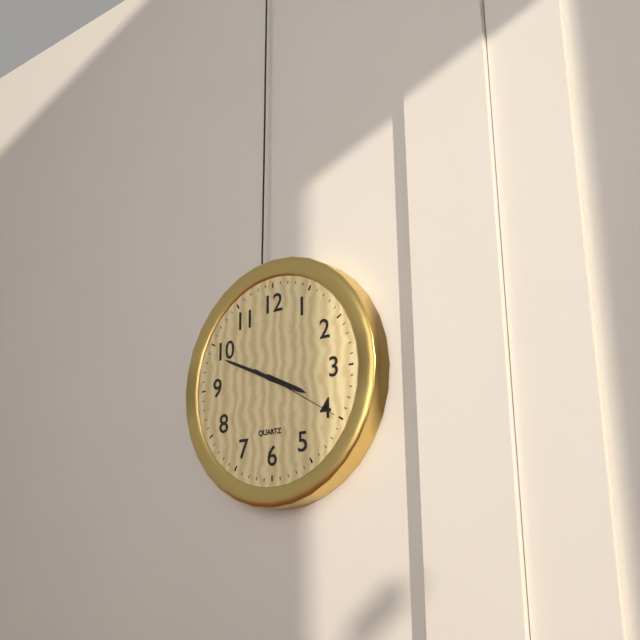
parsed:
3 h 49 min 20 s
